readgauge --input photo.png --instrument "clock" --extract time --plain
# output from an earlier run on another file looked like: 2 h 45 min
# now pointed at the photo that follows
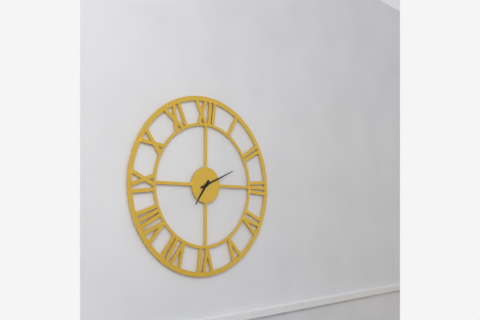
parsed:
7 h 11 min
